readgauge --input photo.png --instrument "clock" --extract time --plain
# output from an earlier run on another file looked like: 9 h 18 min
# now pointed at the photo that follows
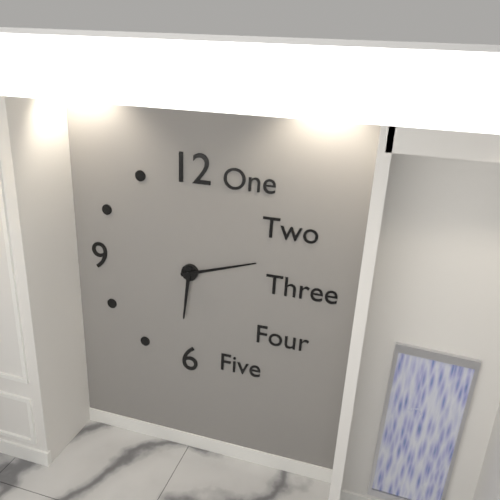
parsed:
6 h 12 min
